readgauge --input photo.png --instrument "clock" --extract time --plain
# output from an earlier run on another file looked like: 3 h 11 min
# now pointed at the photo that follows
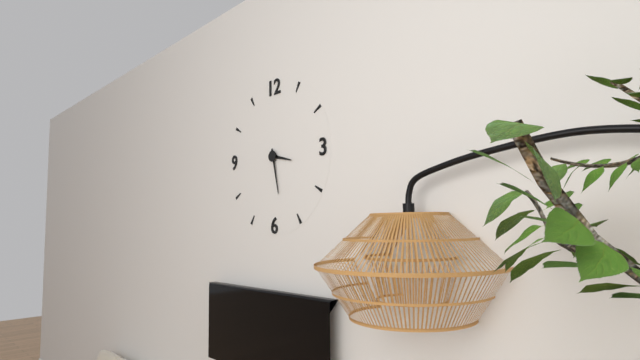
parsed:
3 h 28 min
